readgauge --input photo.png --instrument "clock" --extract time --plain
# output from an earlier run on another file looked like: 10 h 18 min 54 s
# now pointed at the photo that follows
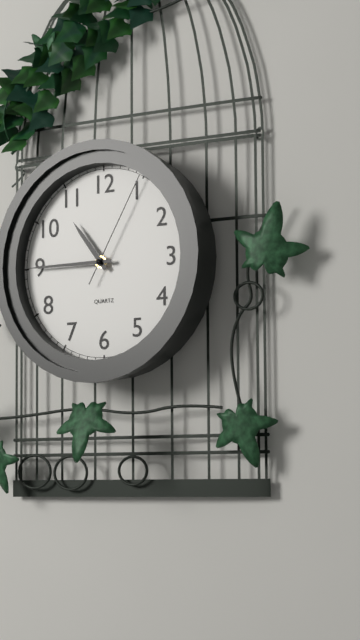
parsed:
10 h 45 min 05 s
